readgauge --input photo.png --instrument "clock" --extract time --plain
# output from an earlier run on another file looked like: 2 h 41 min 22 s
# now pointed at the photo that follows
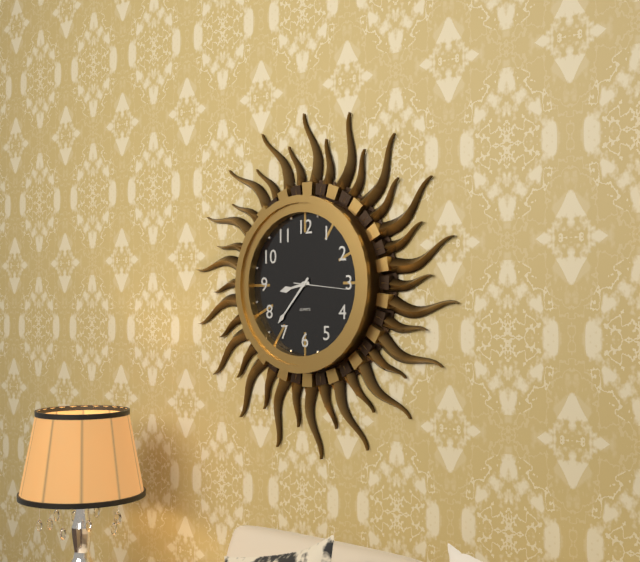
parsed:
8 h 37 min 16 s
